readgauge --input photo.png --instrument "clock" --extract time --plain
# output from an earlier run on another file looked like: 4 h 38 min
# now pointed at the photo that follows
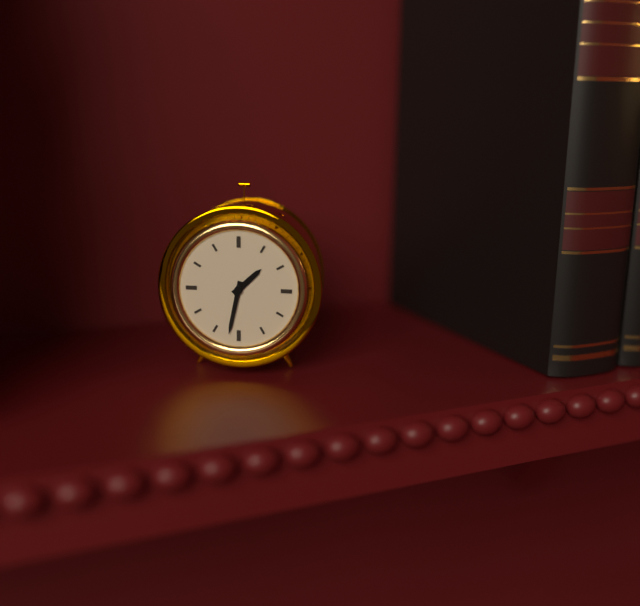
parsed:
1 h 32 min
